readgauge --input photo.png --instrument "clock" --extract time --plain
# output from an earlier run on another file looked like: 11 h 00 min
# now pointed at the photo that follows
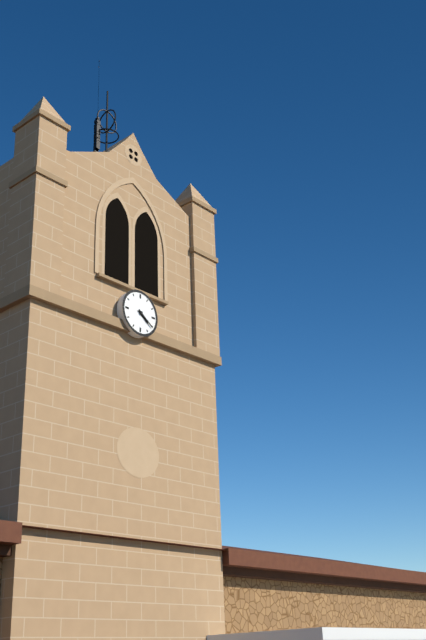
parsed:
4 h 21 min
